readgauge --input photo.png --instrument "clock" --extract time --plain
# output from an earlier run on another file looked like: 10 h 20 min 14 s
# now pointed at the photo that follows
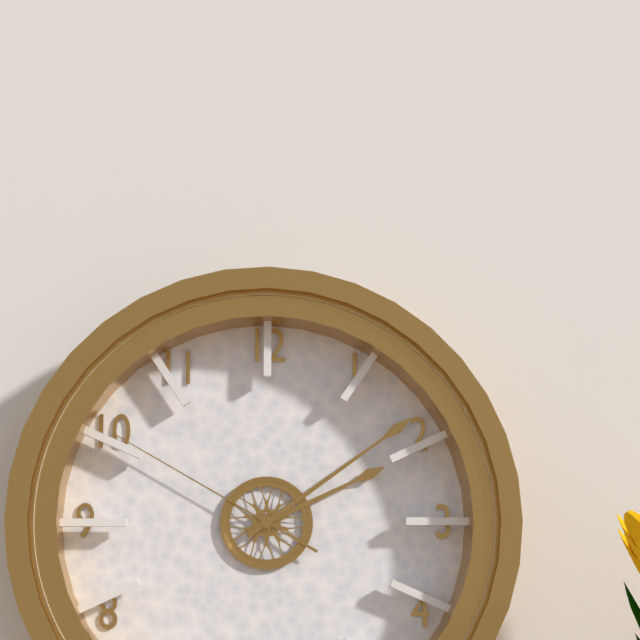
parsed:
2 h 09 min 50 s
